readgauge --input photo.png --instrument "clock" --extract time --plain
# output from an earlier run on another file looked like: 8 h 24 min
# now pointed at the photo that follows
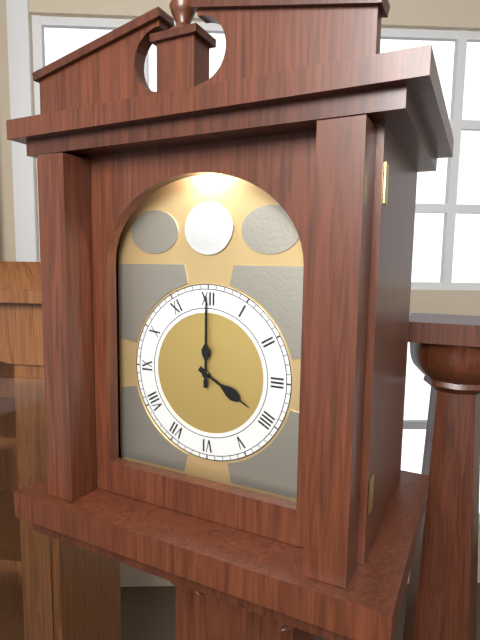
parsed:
4 h 00 min
